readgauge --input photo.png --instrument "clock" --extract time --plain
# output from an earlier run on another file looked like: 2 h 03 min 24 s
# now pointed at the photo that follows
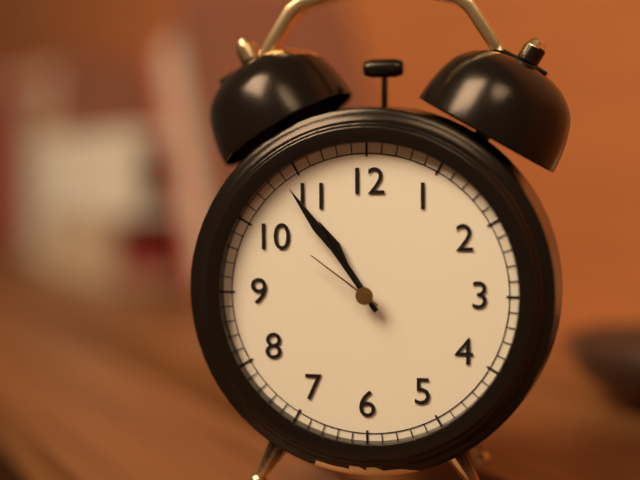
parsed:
10 h 54 min 51 s
